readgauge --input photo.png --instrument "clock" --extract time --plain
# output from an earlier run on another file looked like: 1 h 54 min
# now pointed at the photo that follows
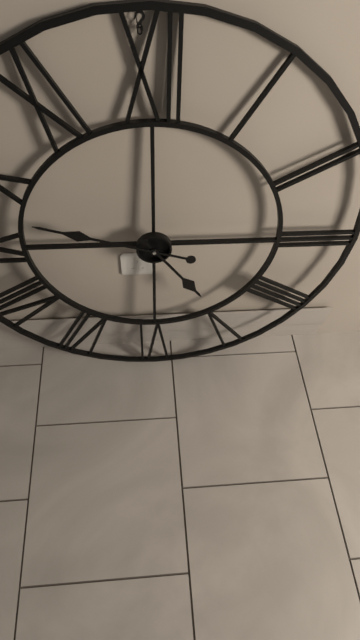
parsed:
4 h 48 min
